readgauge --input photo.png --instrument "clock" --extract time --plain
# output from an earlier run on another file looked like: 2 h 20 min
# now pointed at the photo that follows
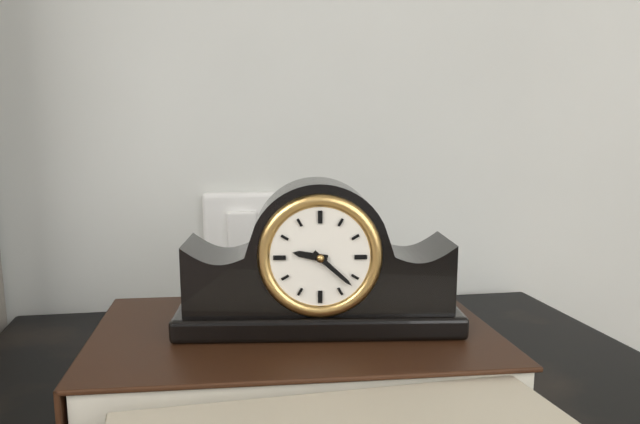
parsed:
9 h 22 min
